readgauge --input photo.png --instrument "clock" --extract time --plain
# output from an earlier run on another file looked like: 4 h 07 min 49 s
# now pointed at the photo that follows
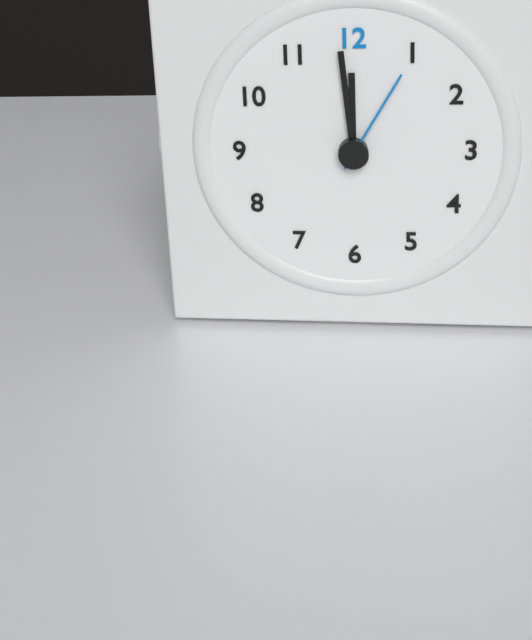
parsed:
11 h 59 min 05 s
